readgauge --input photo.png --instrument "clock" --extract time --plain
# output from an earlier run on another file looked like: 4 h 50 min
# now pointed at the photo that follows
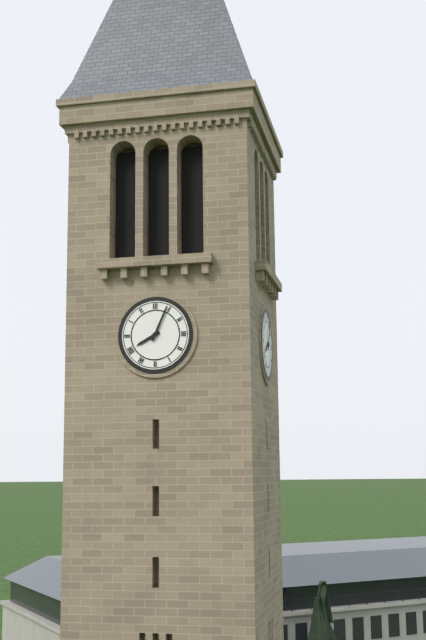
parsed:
8 h 04 min
